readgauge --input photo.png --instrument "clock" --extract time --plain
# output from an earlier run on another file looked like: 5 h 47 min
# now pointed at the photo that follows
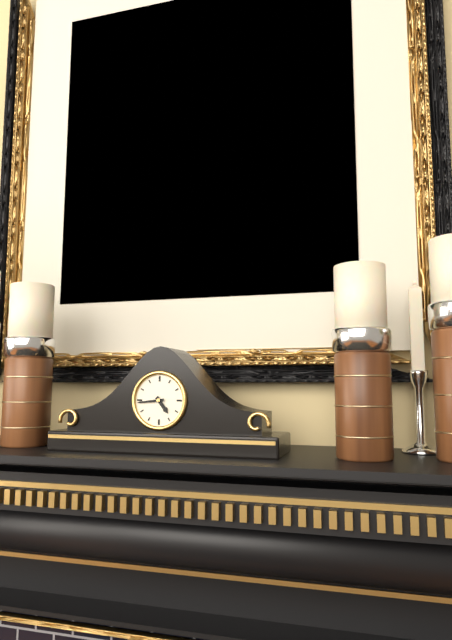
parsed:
4 h 44 min
